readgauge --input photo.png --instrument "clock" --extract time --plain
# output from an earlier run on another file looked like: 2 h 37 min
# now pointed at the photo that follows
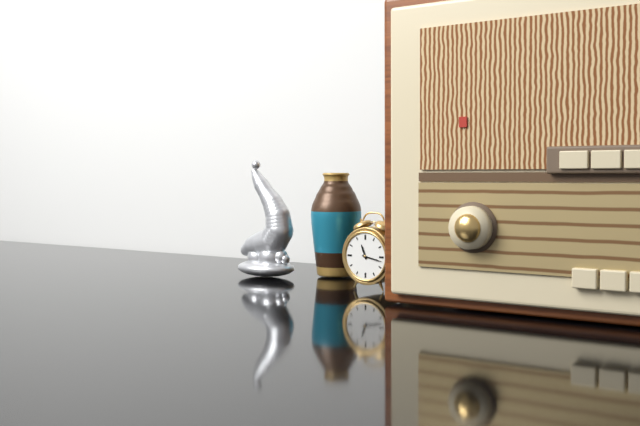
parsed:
11 h 17 min
